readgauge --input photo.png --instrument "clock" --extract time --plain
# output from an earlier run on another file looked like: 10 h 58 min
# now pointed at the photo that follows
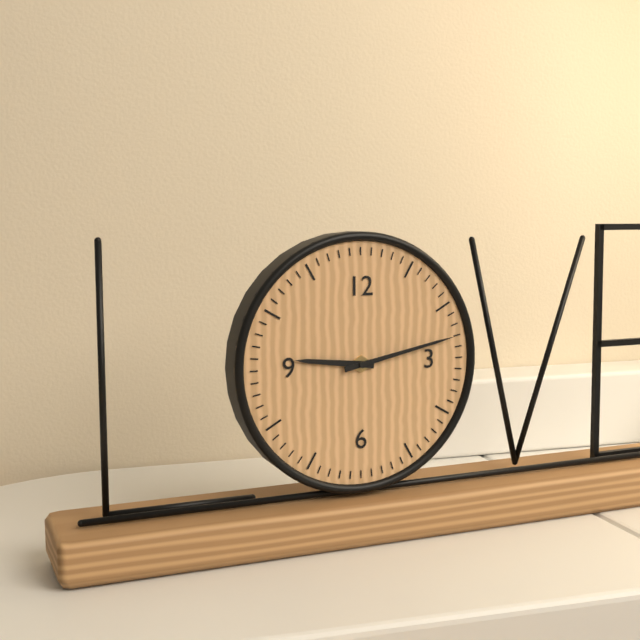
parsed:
9 h 13 min
